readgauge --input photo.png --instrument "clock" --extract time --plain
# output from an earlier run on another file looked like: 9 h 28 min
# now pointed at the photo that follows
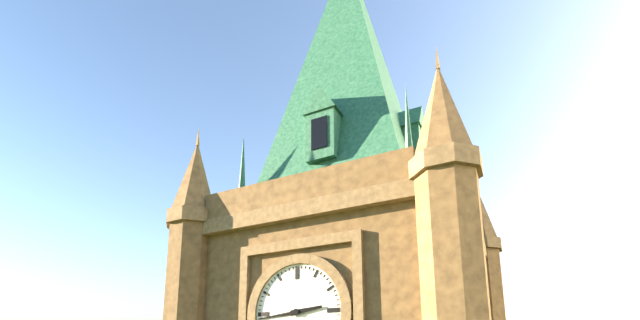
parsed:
2 h 44 min
